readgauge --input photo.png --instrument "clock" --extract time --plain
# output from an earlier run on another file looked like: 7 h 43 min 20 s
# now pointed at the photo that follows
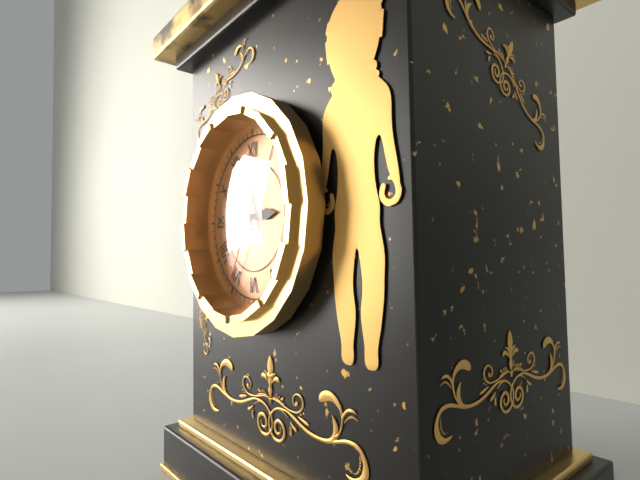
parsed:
2 h 57 min 35 s
